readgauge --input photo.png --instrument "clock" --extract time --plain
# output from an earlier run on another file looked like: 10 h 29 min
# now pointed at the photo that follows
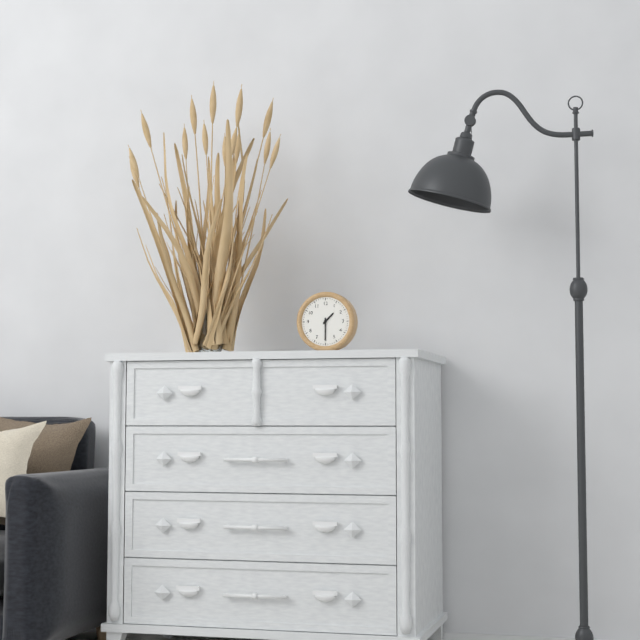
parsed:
1 h 30 min
